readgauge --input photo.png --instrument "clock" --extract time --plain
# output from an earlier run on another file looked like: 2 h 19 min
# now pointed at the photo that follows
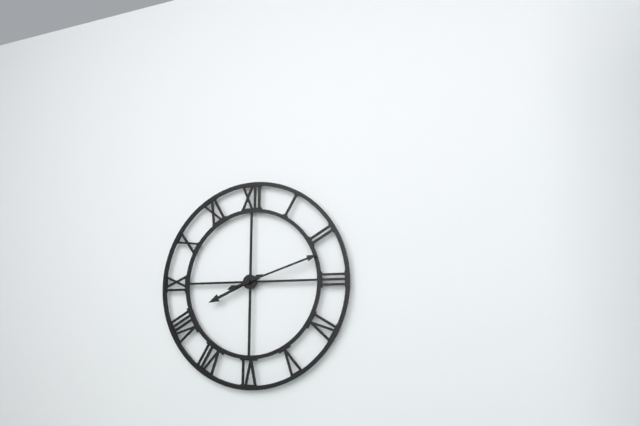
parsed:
8 h 12 min
